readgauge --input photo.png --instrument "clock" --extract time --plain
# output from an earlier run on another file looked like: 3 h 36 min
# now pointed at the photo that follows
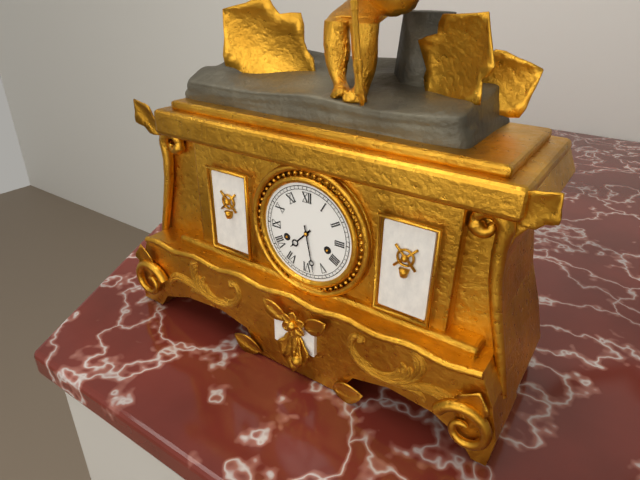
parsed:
7 h 28 min
